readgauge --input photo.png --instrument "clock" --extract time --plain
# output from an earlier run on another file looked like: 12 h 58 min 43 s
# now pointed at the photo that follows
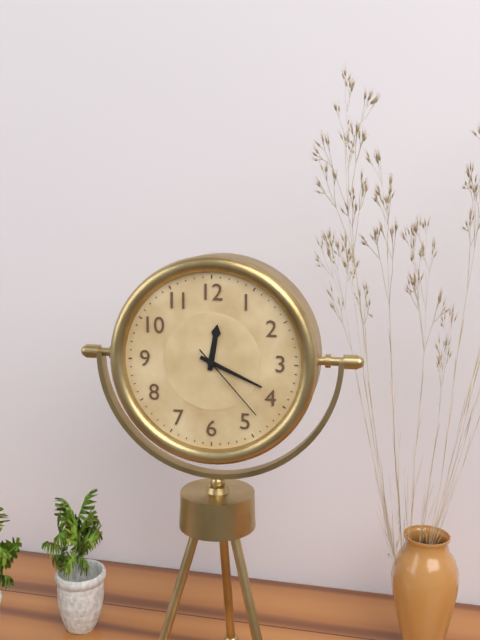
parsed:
12 h 19 min 23 s
